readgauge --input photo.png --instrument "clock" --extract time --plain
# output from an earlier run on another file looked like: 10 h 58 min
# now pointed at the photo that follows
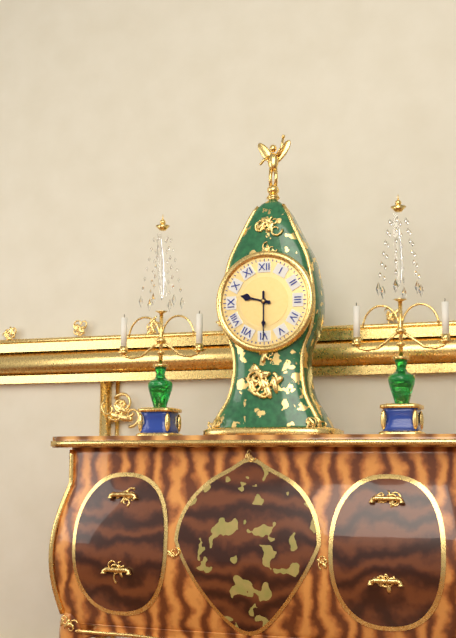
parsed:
9 h 30 min
